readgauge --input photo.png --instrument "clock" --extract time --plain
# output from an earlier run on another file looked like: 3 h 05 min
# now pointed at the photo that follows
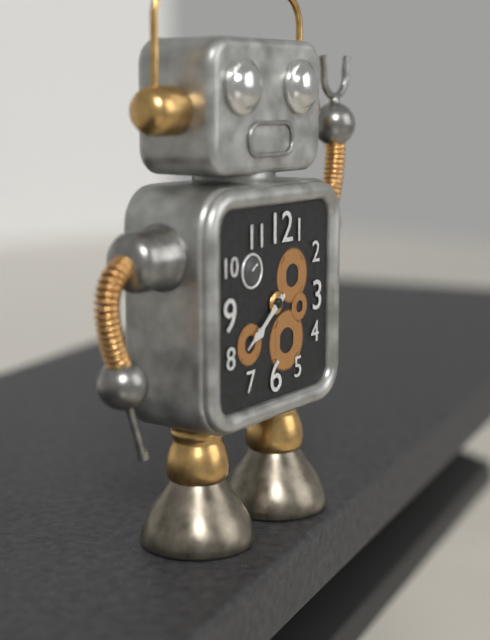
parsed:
7 h 39 min
